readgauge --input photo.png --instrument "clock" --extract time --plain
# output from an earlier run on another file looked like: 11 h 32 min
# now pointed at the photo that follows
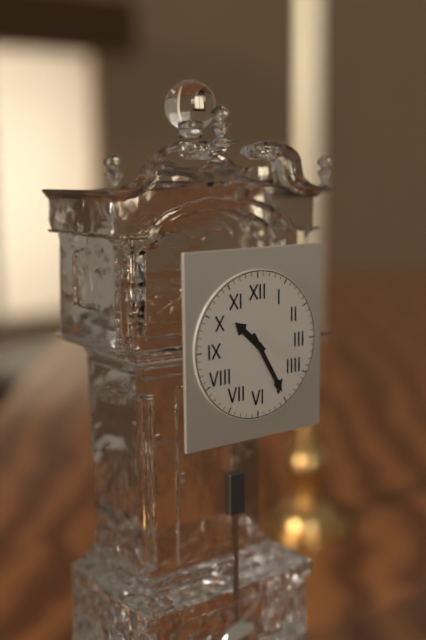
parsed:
10 h 25 min
